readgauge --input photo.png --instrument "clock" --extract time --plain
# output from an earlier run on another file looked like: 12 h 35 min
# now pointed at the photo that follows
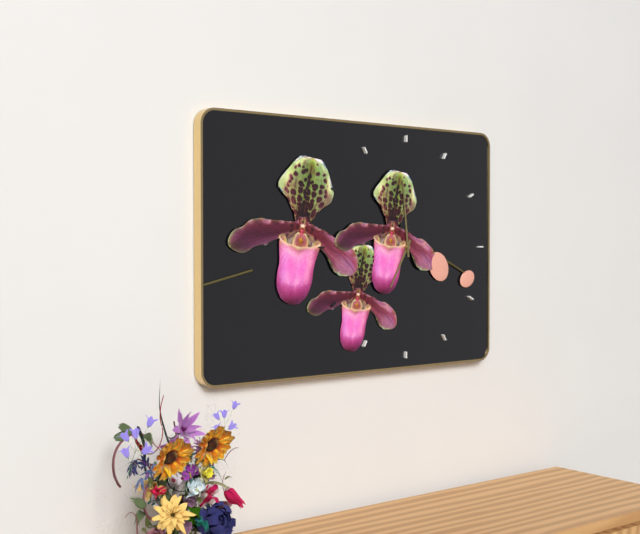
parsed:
6 h 59 min
